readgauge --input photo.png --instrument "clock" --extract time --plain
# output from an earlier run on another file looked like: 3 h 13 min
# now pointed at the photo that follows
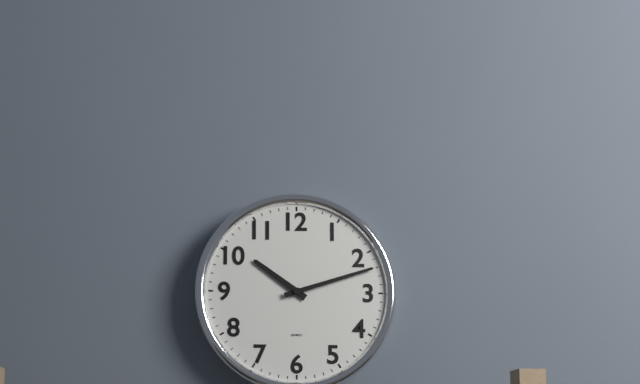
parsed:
10 h 12 min
